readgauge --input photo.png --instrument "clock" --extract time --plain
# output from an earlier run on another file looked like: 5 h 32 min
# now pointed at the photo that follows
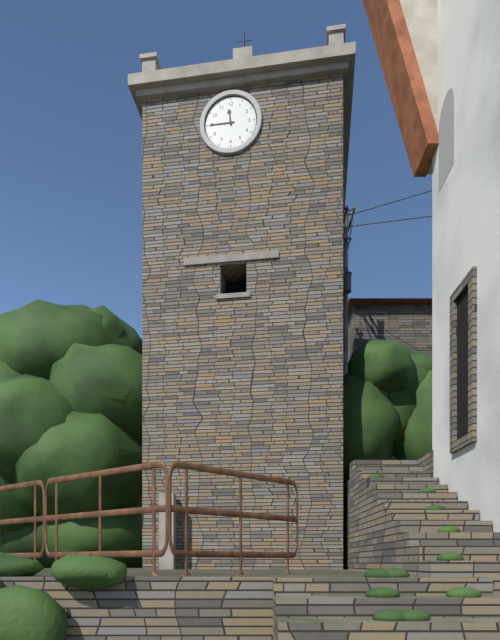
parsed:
11 h 45 min
